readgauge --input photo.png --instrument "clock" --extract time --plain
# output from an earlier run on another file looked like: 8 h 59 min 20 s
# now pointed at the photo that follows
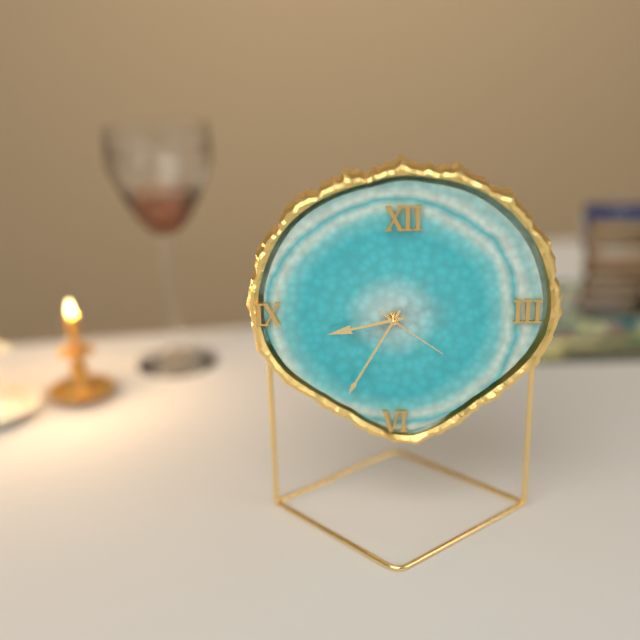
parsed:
8 h 35 min 21 s
